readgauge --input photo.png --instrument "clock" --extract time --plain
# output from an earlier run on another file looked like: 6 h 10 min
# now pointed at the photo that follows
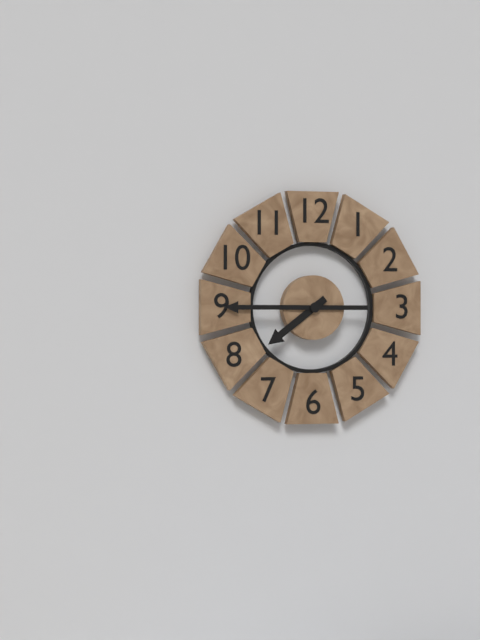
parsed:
7 h 45 min
